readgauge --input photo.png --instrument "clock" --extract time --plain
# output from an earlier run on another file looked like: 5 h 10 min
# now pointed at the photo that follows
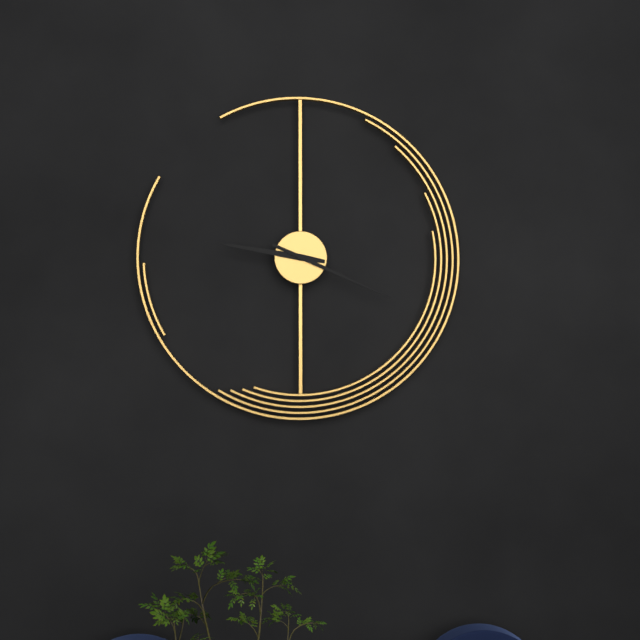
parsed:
9 h 19 min
